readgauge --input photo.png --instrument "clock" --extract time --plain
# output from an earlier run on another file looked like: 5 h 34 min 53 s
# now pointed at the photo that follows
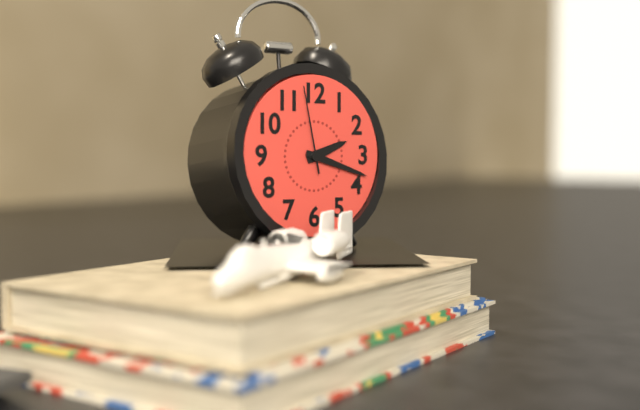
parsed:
2 h 18 min 58 s
